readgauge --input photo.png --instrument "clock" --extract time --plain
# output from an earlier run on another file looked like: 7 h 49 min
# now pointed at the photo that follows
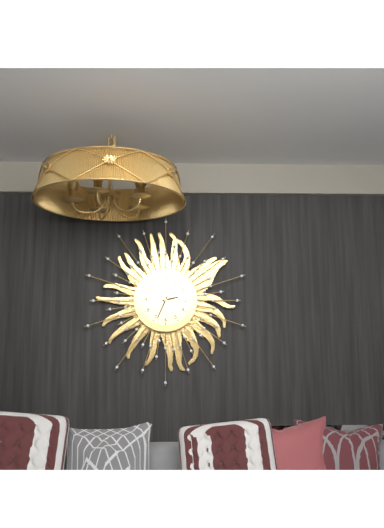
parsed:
2 h 34 min
